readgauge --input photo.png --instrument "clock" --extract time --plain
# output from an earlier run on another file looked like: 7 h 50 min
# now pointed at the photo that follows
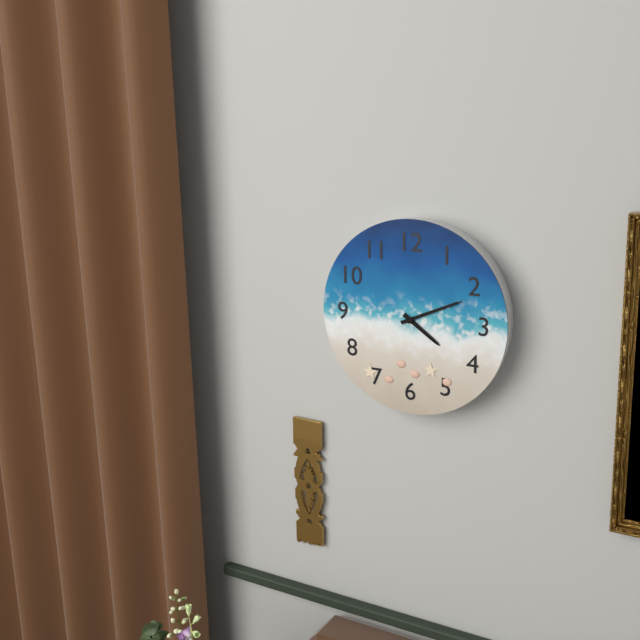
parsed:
4 h 11 min
